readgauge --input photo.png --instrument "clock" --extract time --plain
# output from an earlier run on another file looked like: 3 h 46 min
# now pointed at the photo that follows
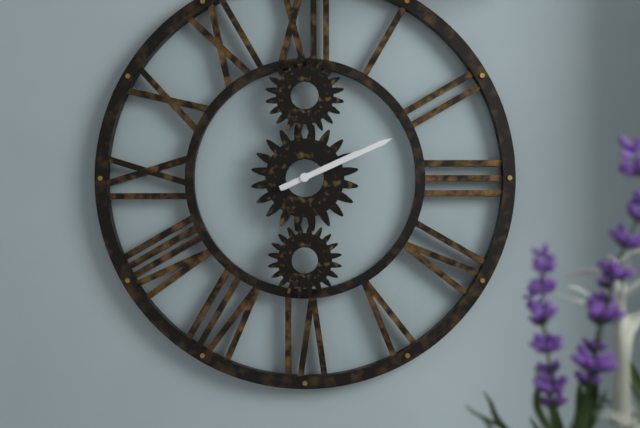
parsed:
2 h 11 min
